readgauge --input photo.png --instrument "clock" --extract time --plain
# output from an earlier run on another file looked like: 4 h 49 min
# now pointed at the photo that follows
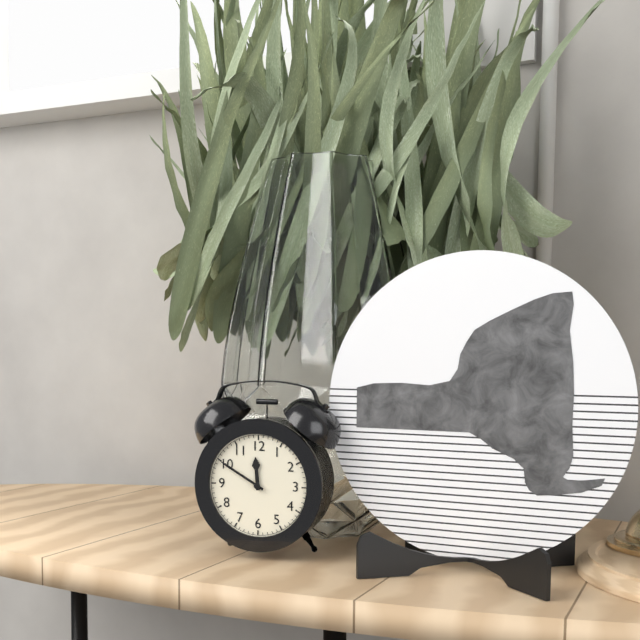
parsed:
11 h 50 min
